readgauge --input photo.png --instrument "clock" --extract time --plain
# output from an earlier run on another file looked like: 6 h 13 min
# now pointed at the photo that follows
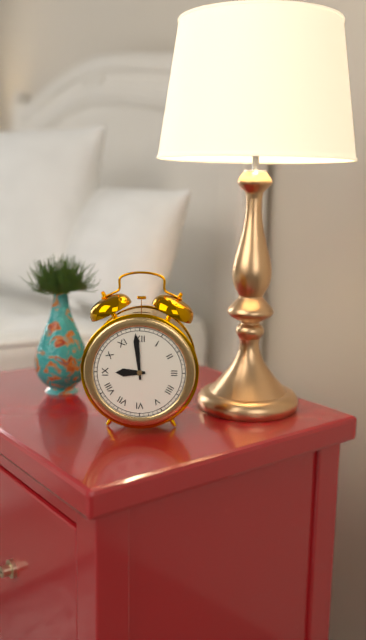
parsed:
8 h 59 min
